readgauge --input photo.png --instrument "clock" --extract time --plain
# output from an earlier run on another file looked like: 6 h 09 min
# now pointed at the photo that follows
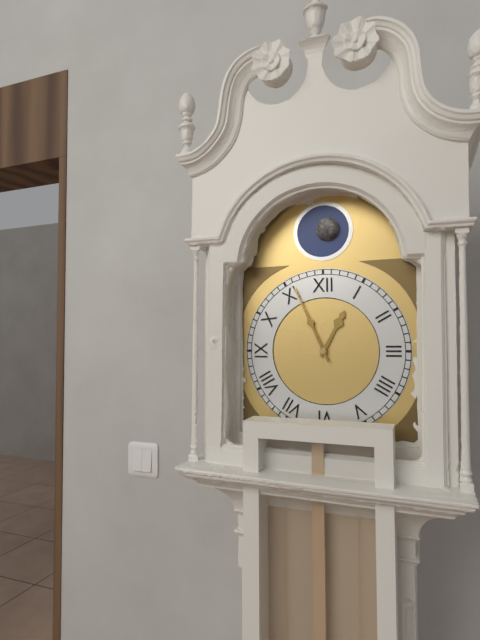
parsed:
12 h 56 min
